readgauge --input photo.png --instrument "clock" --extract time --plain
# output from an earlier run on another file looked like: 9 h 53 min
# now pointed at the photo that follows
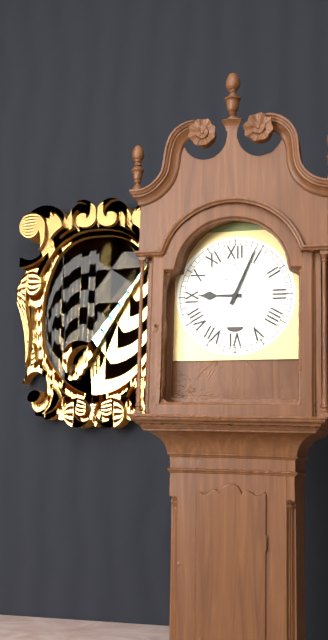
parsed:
9 h 04 min
